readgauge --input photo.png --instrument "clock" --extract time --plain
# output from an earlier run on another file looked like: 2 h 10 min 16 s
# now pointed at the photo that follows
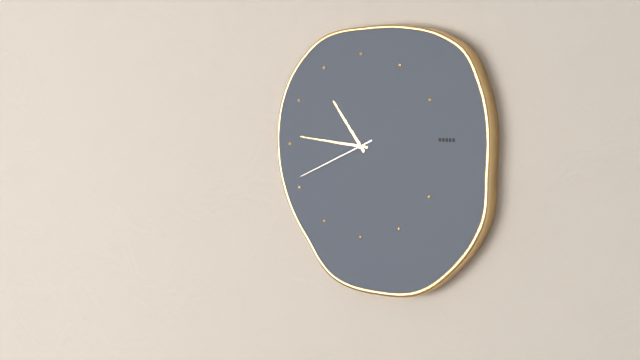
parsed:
10 h 46 min 41 s
